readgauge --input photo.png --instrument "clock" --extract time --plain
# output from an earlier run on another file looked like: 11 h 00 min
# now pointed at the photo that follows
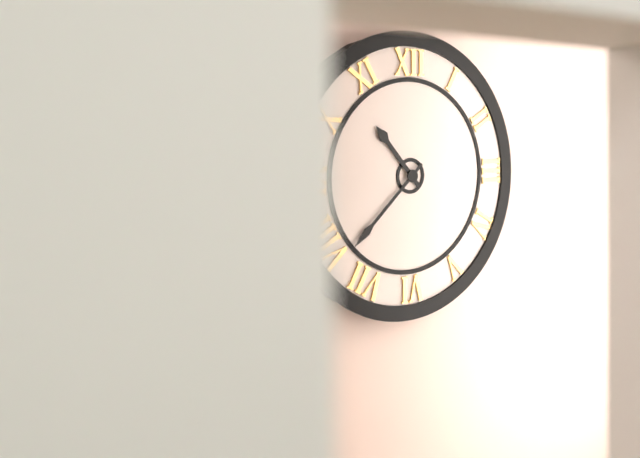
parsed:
10 h 38 min
